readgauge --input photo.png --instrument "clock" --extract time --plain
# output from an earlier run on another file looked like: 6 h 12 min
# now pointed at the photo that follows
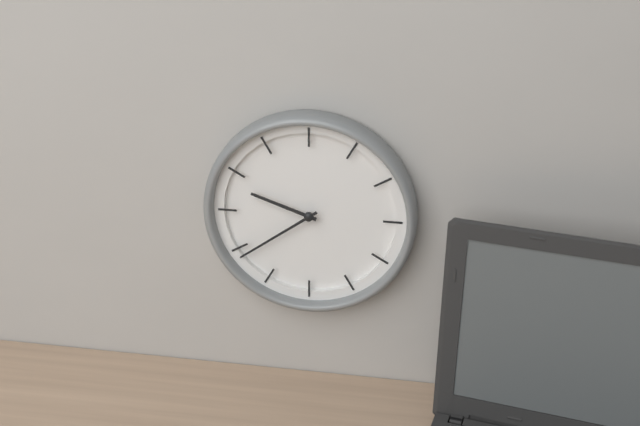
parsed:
9 h 39 min
